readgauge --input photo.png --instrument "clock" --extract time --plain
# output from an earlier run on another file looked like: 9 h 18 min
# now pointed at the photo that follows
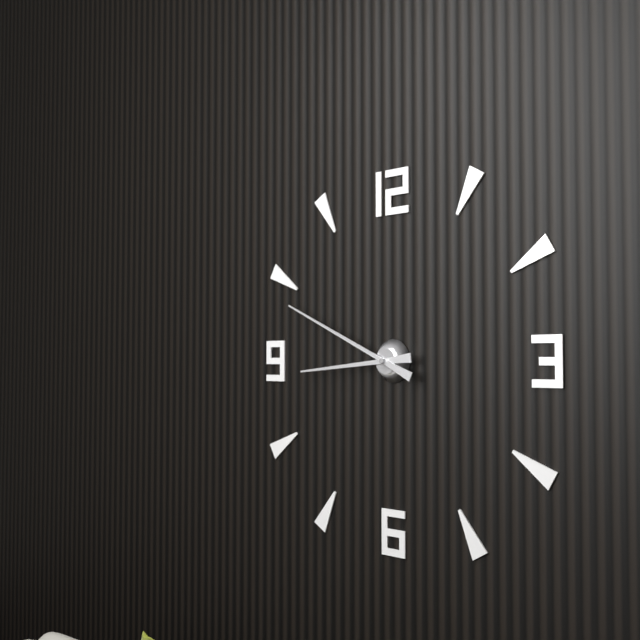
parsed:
8 h 49 min
